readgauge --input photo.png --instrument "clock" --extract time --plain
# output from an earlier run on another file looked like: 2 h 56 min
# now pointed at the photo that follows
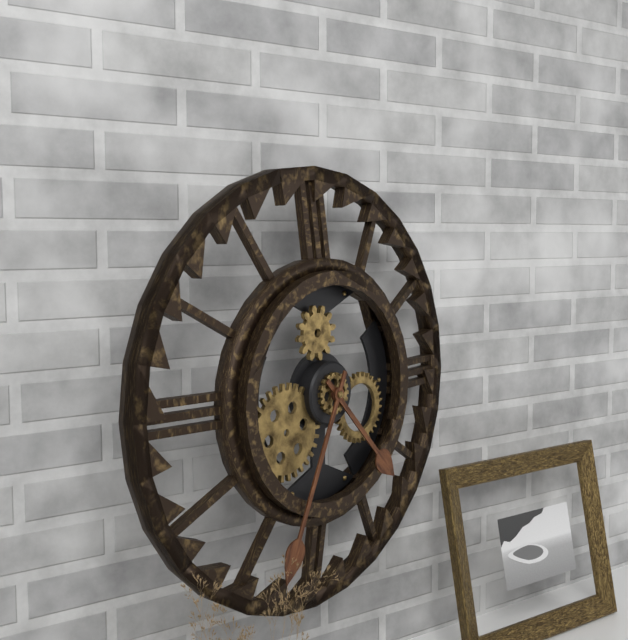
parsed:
4 h 34 min
